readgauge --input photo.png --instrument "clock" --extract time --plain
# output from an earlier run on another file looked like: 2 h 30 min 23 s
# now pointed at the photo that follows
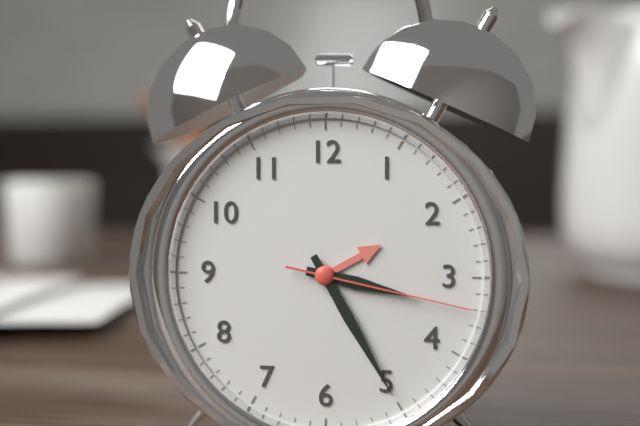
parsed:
3 h 25 min 17 s
